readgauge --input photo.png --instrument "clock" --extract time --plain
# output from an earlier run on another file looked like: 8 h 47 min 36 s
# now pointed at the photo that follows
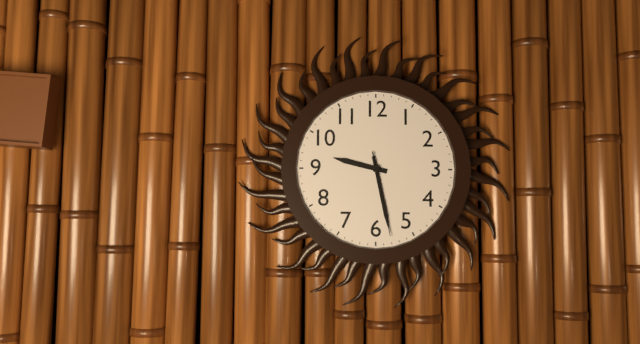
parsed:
9 h 28 min 28 s
